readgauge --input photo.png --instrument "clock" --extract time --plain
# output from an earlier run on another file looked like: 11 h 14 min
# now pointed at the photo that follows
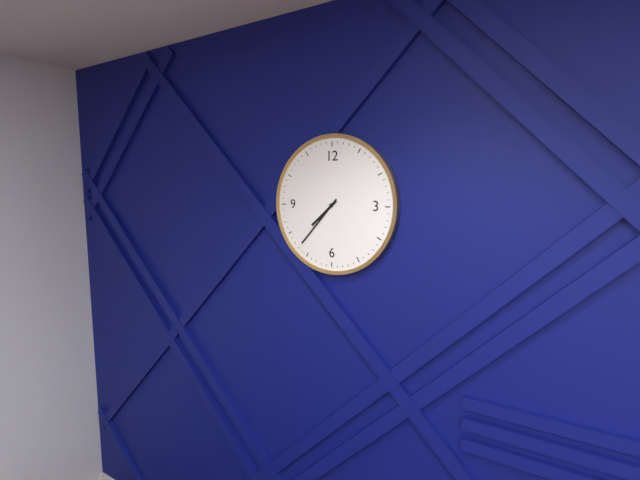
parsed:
7 h 37 min
